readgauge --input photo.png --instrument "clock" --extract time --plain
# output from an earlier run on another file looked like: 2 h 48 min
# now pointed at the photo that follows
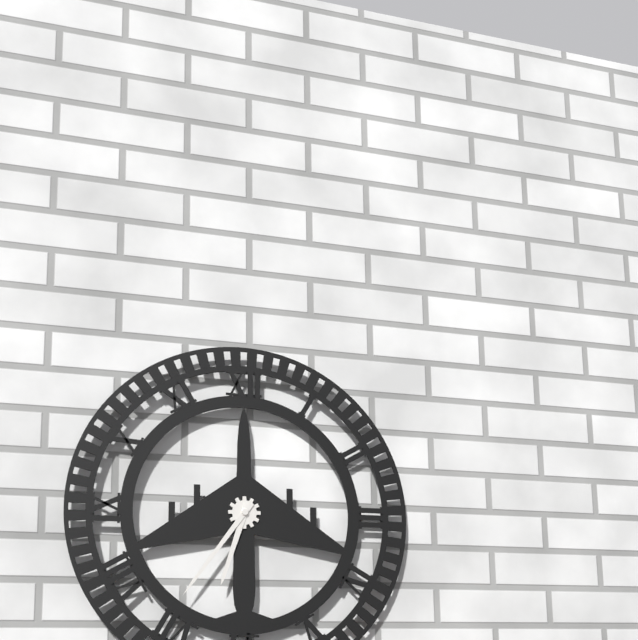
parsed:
6 h 36 min
